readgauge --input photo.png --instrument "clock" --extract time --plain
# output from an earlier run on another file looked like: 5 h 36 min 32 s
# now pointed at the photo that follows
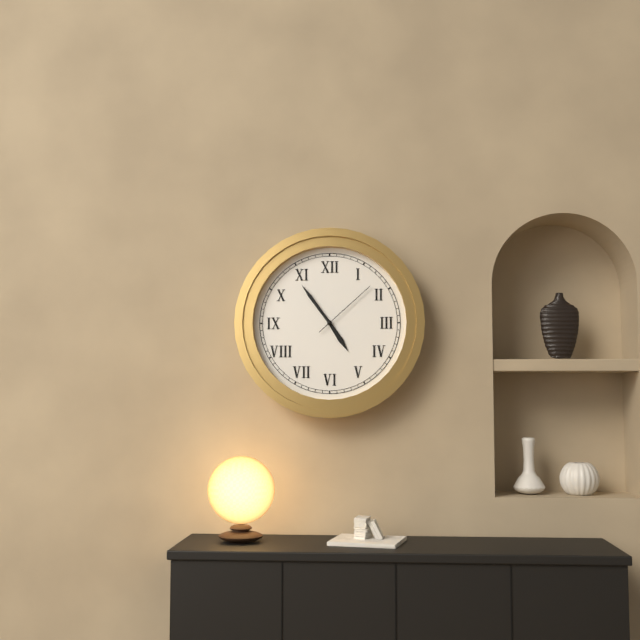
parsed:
4 h 54 min 08 s
